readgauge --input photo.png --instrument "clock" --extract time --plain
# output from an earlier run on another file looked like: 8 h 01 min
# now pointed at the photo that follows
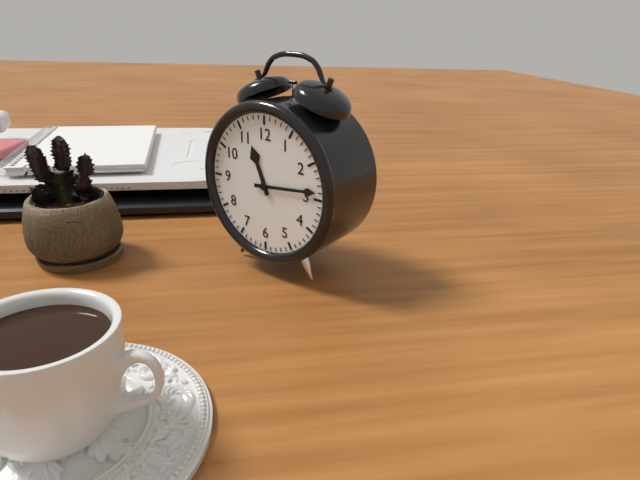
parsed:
11 h 14 min
